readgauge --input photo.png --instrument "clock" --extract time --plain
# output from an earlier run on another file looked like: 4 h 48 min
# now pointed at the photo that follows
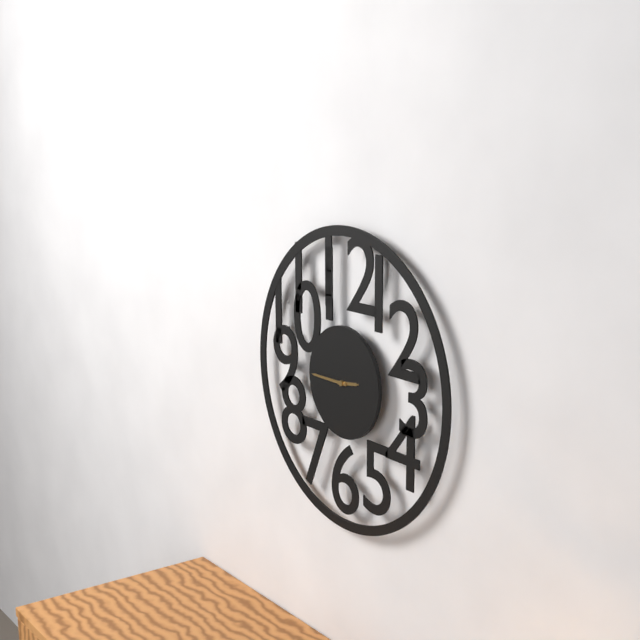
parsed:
2 h 45 min
